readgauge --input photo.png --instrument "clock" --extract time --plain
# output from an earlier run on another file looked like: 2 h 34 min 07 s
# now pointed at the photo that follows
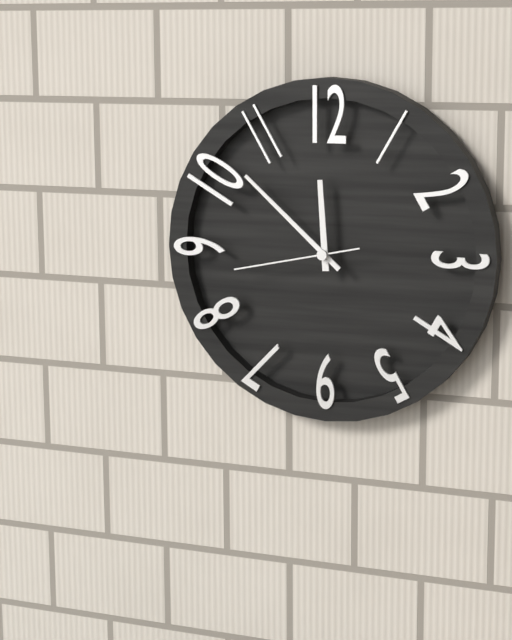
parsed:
11 h 52 min 43 s
